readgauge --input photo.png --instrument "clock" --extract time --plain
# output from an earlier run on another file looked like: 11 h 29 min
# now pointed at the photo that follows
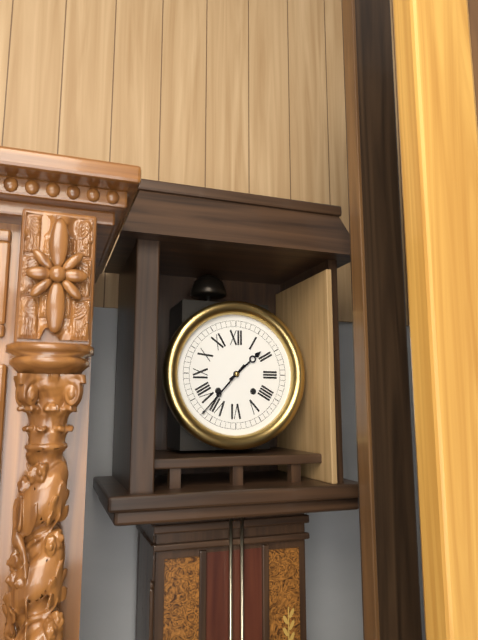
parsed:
1 h 37 min
